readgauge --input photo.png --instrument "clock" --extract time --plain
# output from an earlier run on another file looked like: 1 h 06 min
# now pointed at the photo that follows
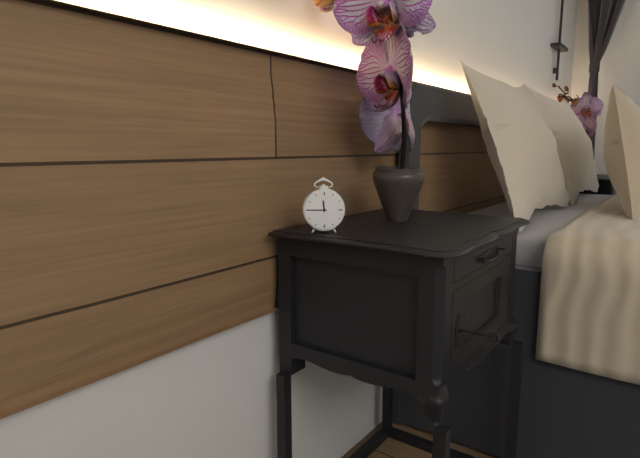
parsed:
11 h 45 min
